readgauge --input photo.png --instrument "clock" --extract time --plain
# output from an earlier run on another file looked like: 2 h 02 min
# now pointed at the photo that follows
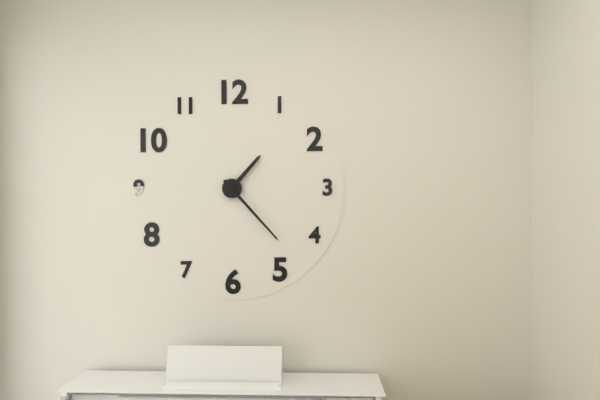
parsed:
1 h 23 min
